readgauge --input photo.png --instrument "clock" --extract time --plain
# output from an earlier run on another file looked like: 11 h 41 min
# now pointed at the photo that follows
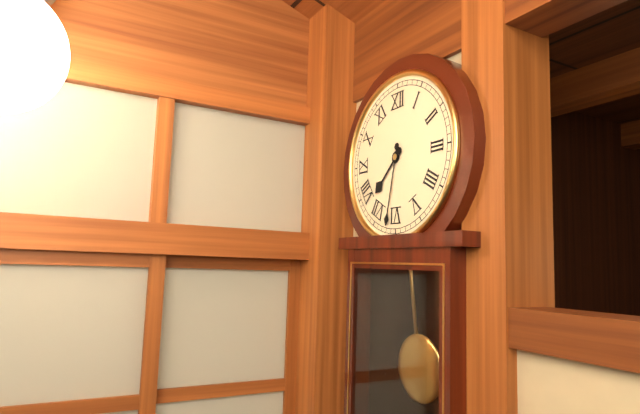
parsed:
7 h 32 min
